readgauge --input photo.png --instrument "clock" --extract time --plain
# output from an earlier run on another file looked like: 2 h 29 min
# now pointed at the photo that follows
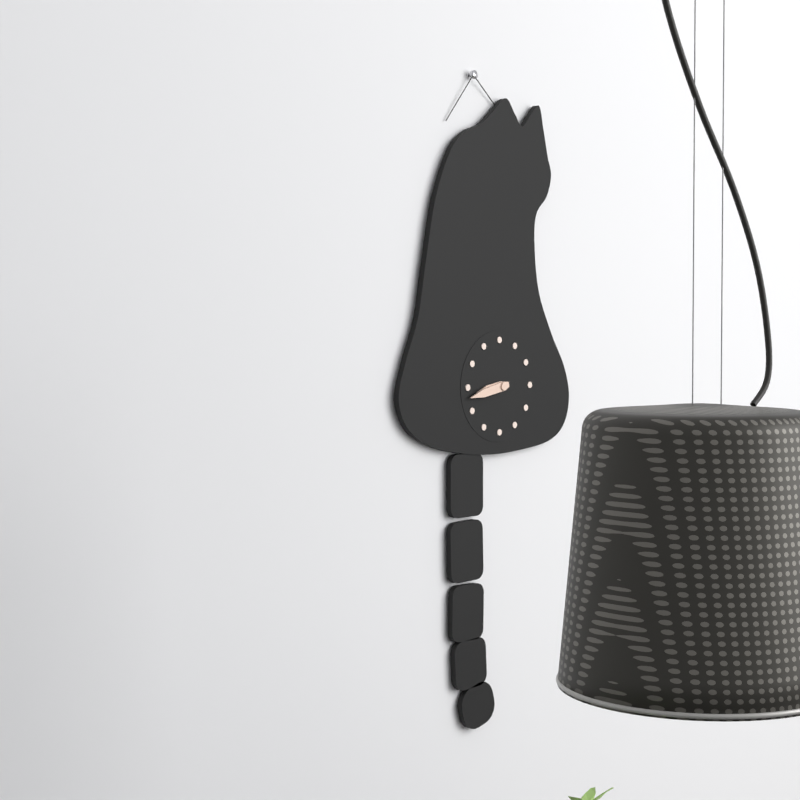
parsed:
8 h 43 min
